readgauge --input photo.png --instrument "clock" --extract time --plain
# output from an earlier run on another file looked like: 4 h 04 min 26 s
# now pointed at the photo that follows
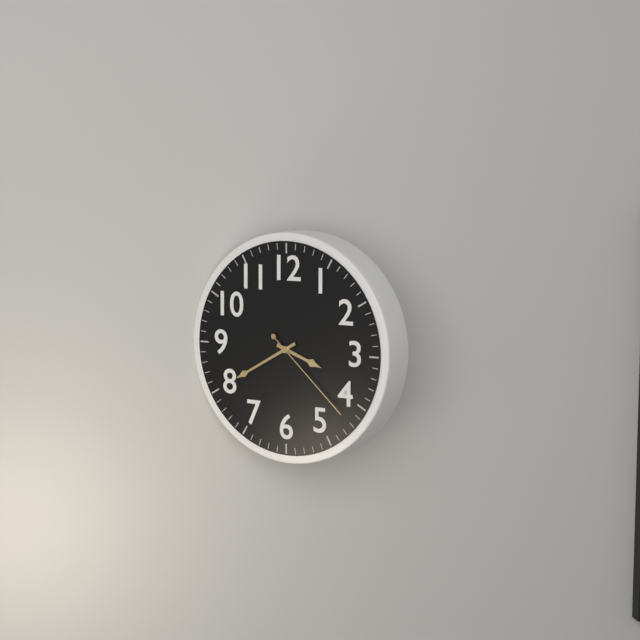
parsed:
3 h 40 min 22 s
